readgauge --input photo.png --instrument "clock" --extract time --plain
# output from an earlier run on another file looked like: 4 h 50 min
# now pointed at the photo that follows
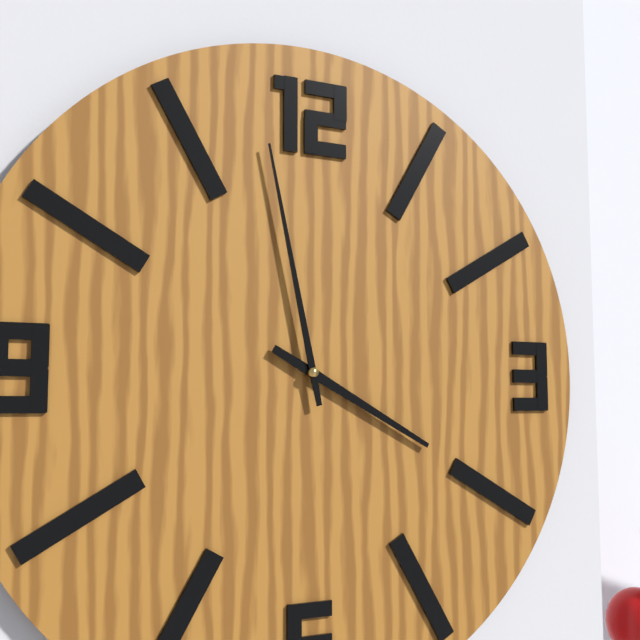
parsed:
3 h 58 min
